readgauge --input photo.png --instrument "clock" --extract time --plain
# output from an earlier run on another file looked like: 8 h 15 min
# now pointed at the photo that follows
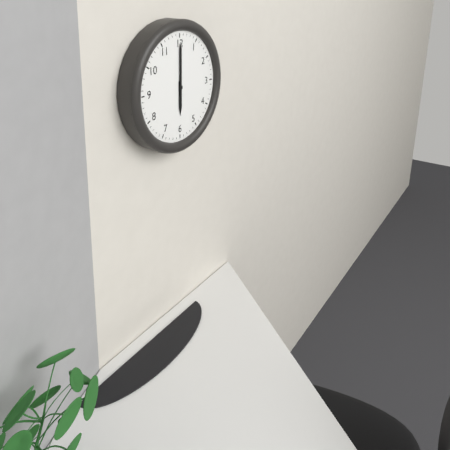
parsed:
6 h 00 min
